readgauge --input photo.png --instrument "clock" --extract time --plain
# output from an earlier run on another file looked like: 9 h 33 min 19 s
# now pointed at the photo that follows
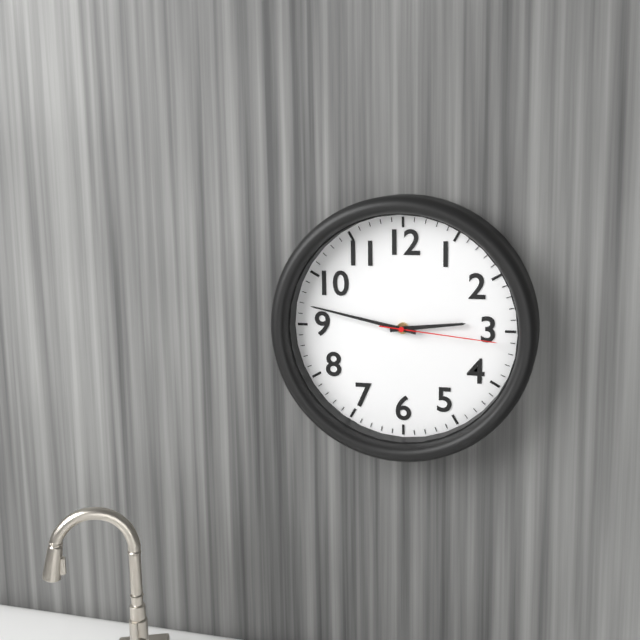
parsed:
2 h 47 min 16 s
